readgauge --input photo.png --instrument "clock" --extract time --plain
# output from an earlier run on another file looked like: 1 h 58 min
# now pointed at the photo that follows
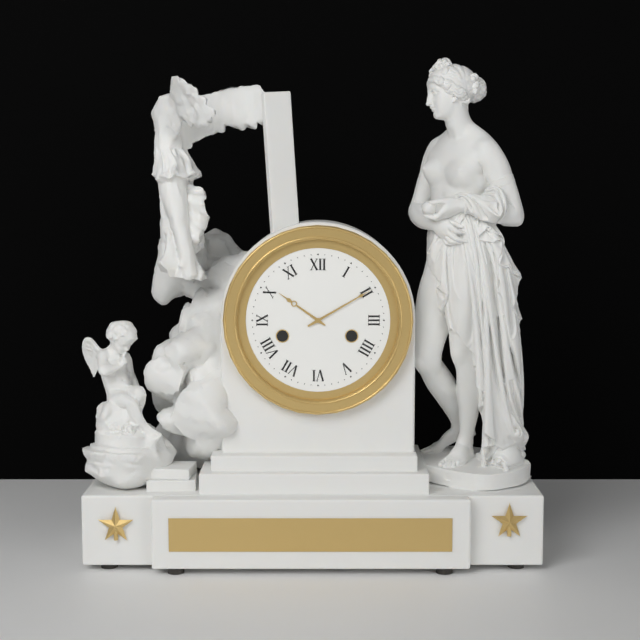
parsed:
10 h 10 min
